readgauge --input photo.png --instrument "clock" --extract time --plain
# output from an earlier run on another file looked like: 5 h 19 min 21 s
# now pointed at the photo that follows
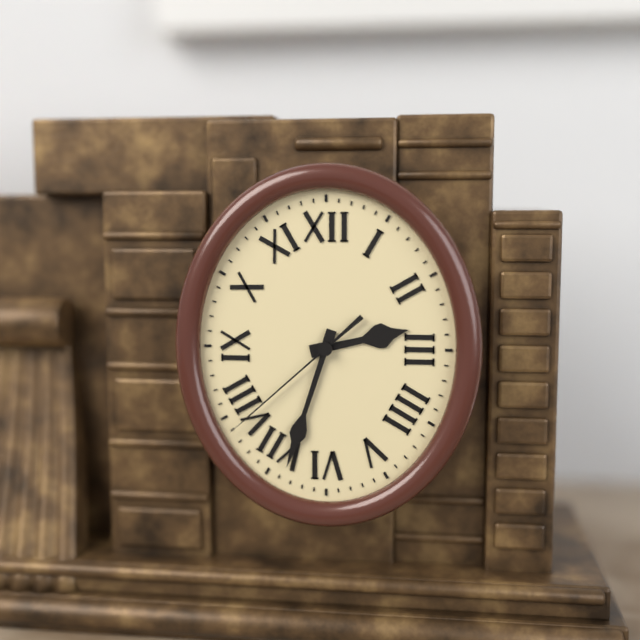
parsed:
2 h 33 min 38 s
